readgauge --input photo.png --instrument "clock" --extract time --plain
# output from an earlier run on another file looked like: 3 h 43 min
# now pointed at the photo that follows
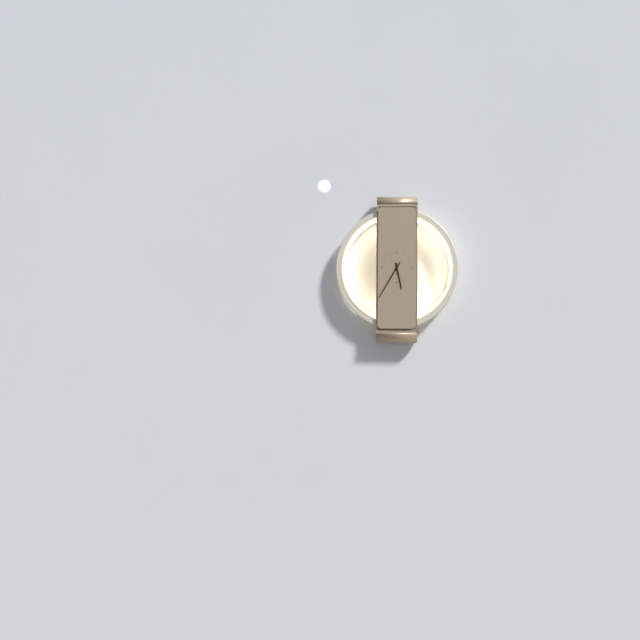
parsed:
5 h 35 min
